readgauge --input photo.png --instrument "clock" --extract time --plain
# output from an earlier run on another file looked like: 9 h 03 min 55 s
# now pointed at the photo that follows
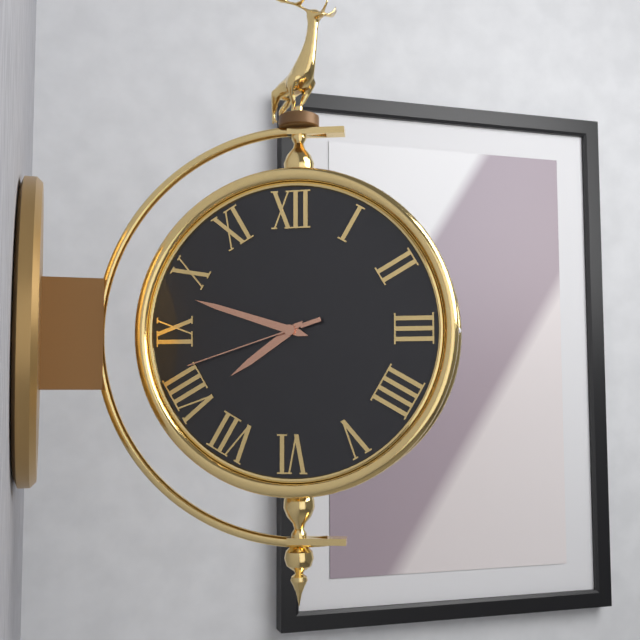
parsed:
7 h 48 min 42 s
